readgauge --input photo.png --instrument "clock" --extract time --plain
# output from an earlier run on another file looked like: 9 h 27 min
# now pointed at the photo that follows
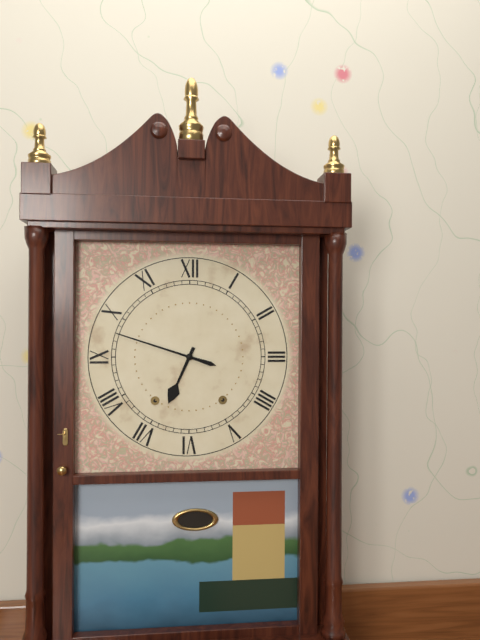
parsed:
6 h 48 min
